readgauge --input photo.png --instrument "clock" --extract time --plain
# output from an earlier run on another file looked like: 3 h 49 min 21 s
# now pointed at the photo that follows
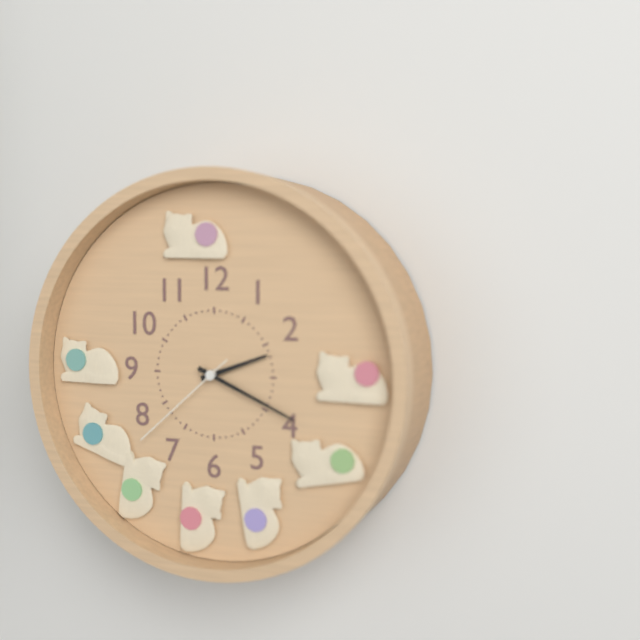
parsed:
2 h 19 min 38 s
